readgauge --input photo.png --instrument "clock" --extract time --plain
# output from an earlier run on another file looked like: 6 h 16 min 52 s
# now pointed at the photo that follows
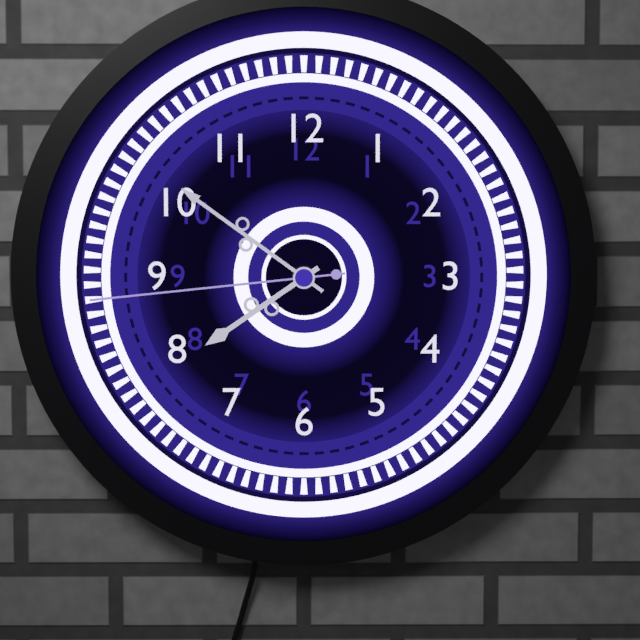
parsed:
7 h 51 min 44 s
